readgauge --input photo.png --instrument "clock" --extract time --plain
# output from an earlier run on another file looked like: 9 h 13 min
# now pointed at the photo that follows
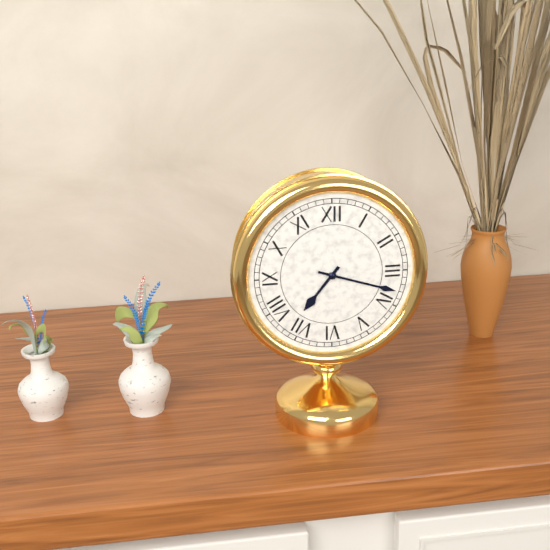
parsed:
7 h 18 min
